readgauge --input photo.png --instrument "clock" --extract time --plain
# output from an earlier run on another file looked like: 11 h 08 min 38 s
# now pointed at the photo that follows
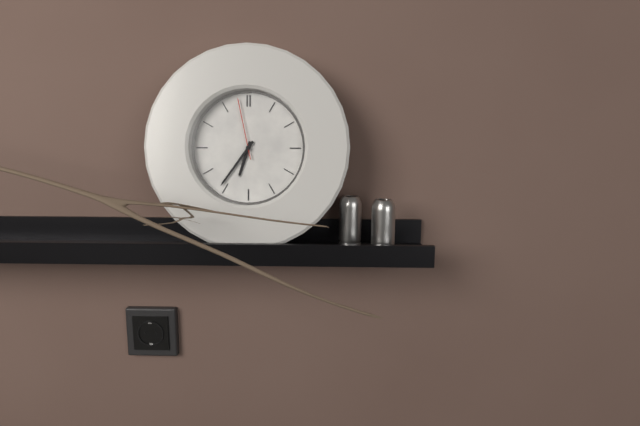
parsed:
6 h 36 min 58 s
